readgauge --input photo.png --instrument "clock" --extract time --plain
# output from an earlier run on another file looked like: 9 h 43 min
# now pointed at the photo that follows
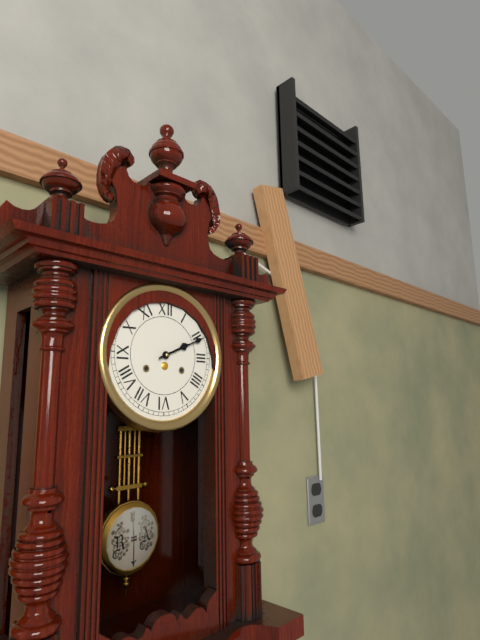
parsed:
2 h 11 min
